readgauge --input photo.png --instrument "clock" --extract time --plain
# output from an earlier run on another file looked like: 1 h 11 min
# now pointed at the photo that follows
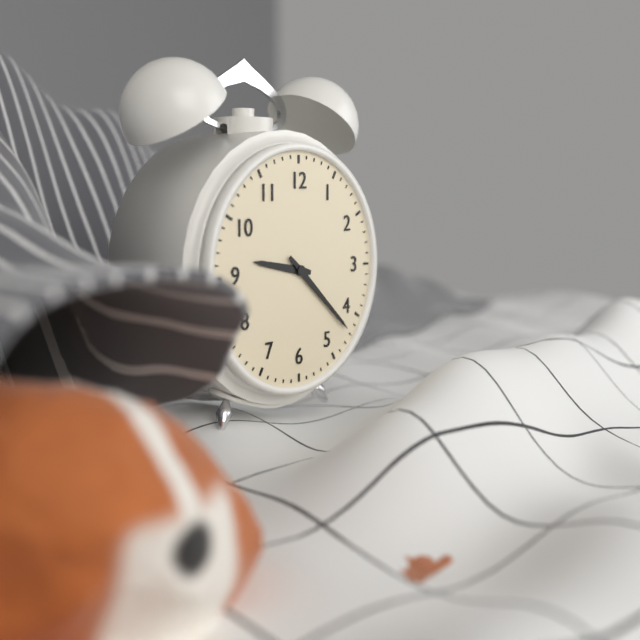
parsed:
9 h 22 min
